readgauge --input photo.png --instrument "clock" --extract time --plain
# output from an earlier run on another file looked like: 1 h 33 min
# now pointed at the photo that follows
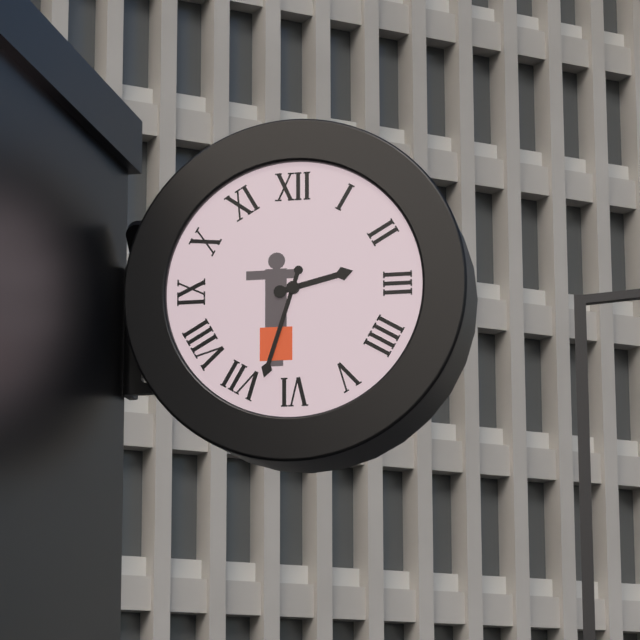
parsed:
2 h 33 min
